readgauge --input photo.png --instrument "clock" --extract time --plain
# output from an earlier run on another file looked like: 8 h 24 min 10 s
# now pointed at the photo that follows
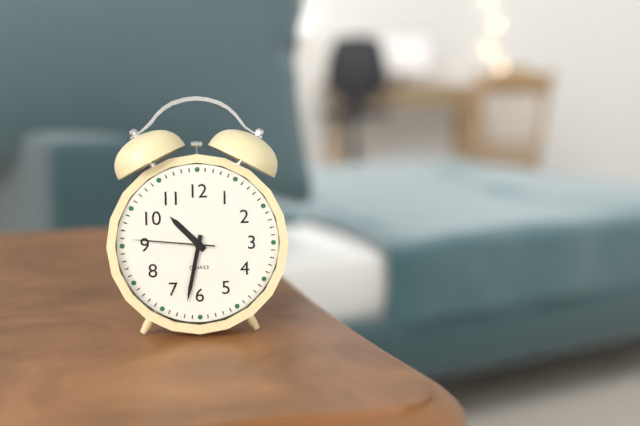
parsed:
10 h 32 min 46 s
